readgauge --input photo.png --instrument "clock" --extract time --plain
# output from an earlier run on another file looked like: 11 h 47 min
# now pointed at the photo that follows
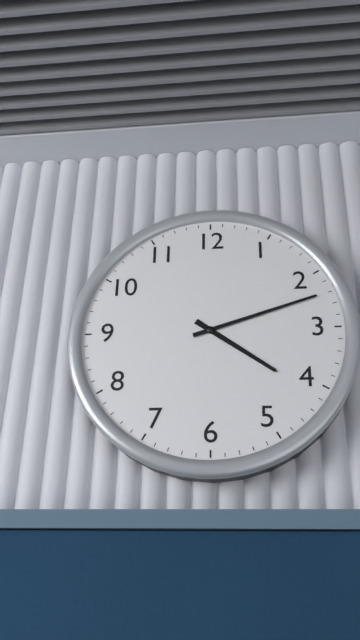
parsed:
4 h 12 min
